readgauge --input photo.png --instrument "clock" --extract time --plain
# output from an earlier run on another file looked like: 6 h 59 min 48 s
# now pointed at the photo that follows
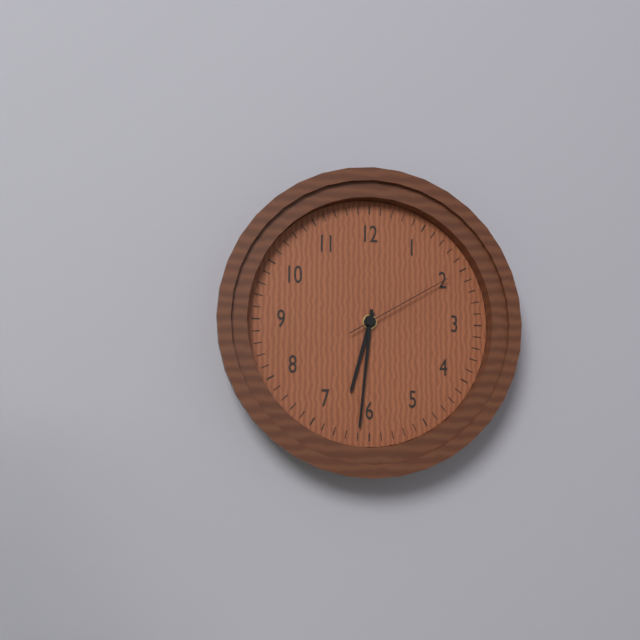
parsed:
6 h 31 min 10 s
